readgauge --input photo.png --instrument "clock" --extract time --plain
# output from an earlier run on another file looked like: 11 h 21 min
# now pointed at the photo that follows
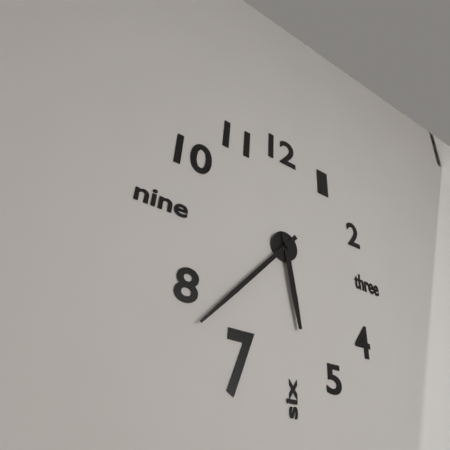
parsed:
5 h 37 min
